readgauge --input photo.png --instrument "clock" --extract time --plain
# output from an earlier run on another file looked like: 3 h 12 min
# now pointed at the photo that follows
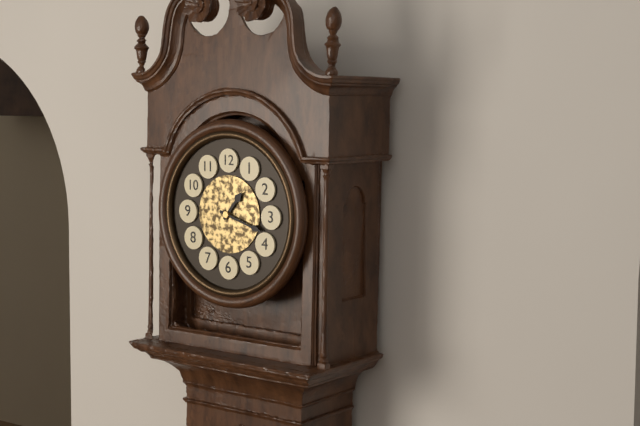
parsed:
1 h 18 min
